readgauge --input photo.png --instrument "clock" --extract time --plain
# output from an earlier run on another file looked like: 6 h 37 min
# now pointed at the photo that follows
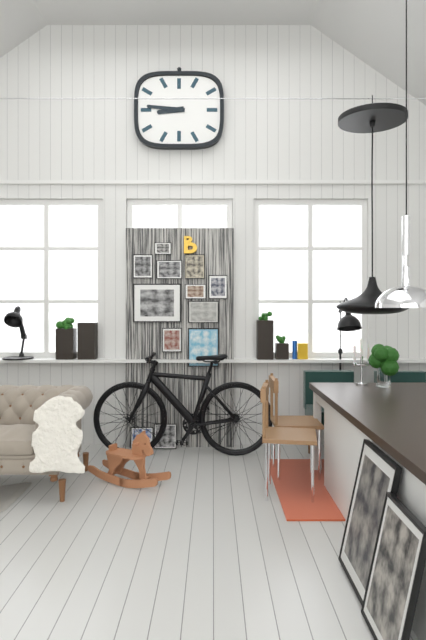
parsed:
8 h 46 min
